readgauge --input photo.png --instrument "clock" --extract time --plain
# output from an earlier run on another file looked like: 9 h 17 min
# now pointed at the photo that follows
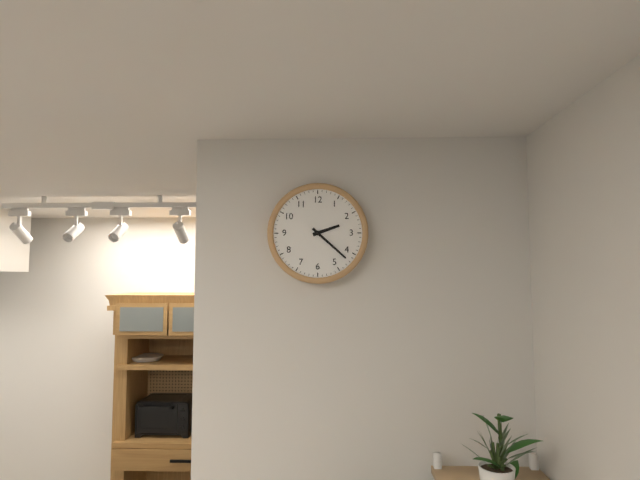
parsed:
2 h 22 min
